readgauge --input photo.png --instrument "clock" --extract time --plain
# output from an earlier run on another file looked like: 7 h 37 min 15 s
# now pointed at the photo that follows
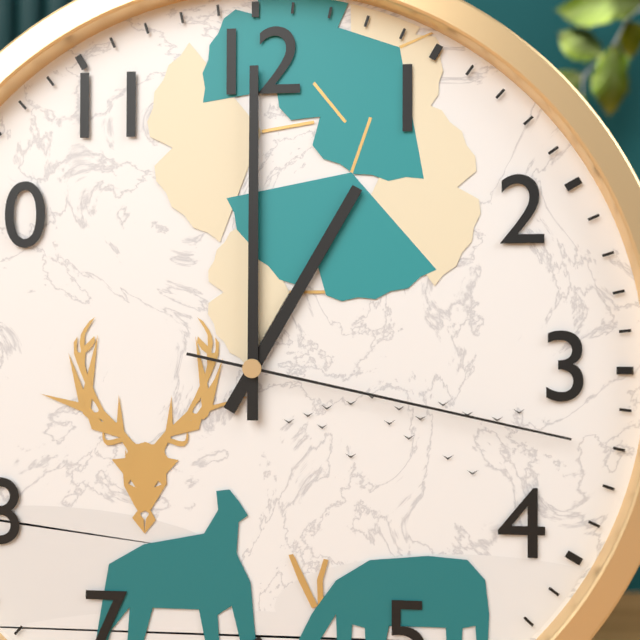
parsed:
1 h 00 min 17 s
